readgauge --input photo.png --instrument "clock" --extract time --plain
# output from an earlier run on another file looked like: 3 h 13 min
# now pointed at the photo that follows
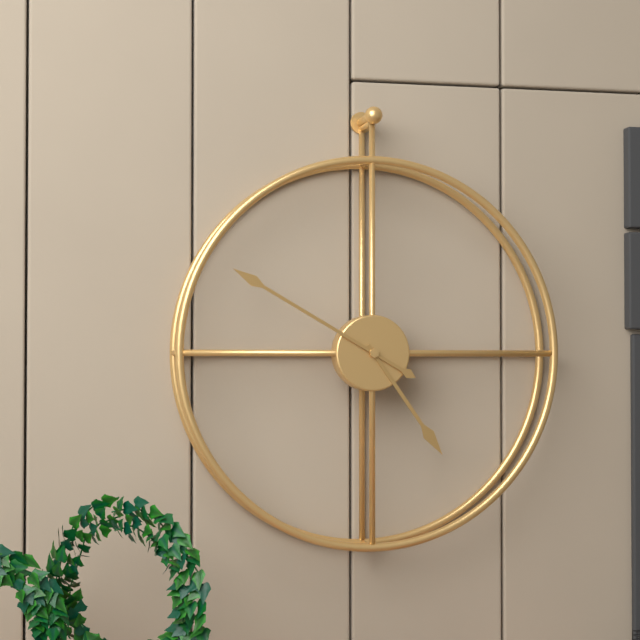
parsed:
4 h 50 min
